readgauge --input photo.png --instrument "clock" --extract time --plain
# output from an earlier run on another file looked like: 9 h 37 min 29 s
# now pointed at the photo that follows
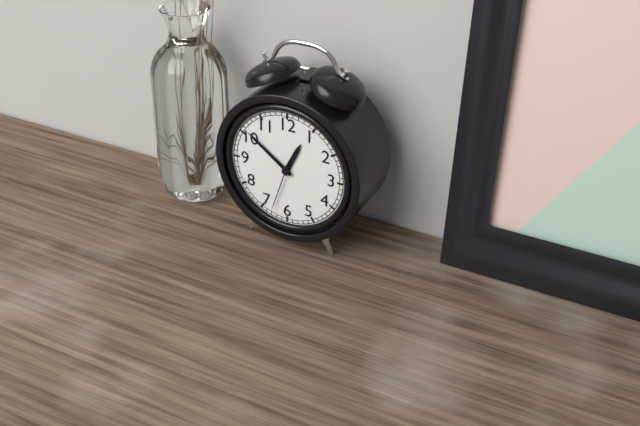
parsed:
12 h 51 min 33 s
